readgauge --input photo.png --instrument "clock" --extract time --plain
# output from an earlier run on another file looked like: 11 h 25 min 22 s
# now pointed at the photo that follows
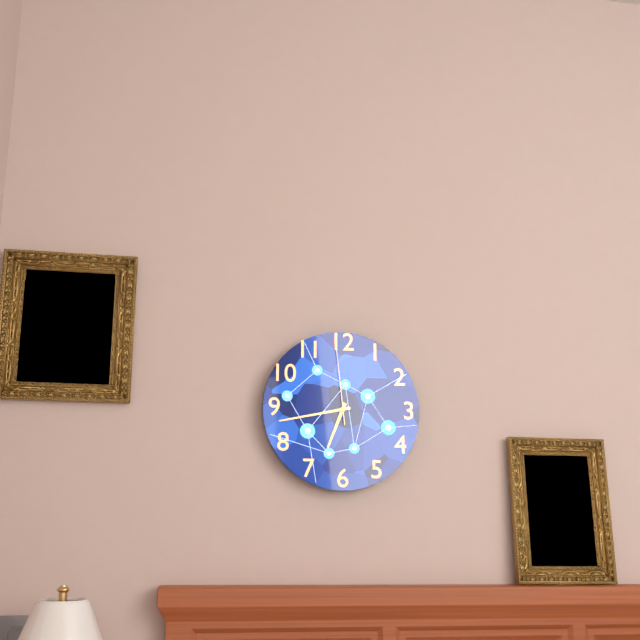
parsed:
6 h 43 min 59 s
